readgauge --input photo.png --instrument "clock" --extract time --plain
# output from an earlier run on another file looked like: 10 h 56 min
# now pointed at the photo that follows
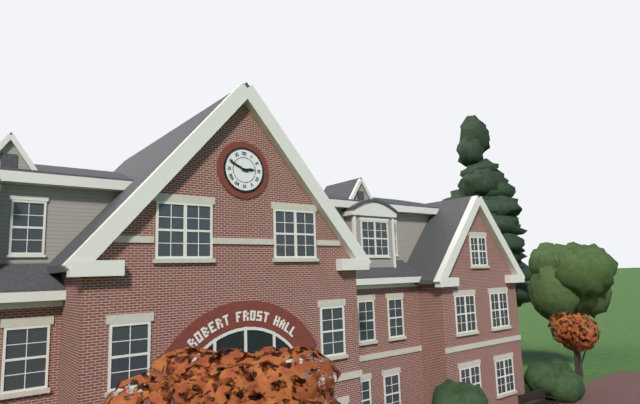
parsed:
2 h 49 min
